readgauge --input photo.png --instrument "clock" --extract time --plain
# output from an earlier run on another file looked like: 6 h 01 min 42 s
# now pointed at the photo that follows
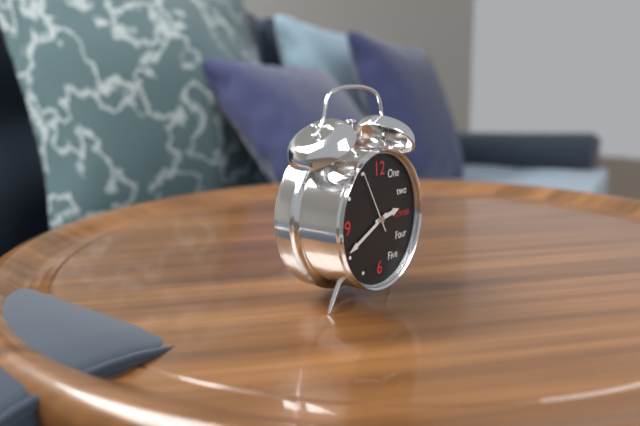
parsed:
2 h 41 min 55 s
